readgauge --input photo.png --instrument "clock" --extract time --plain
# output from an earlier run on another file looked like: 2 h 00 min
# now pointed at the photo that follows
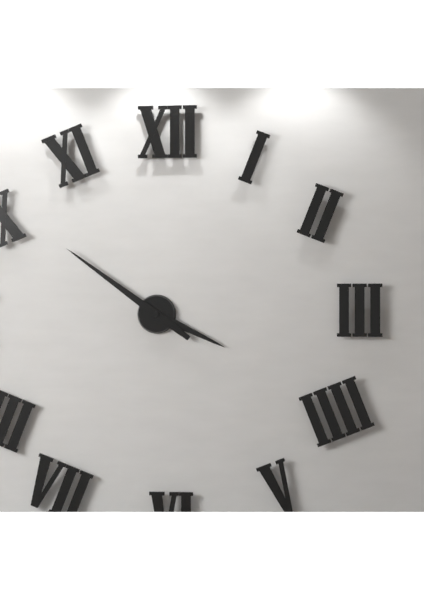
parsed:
3 h 51 min
